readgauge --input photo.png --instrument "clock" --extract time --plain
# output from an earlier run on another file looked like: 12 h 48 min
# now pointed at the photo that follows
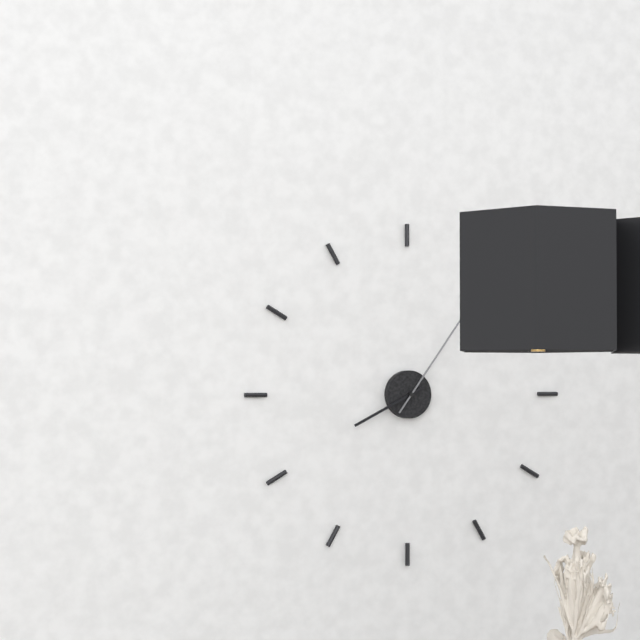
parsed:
8 h 06 min
